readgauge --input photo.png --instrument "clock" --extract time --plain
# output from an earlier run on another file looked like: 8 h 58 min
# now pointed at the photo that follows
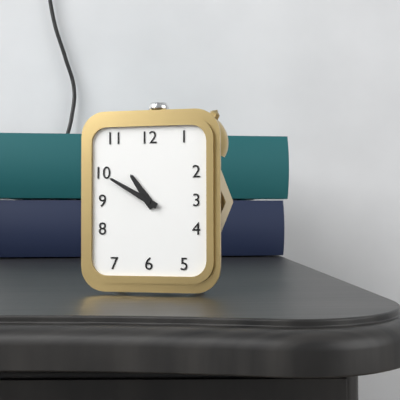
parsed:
10 h 50 min
